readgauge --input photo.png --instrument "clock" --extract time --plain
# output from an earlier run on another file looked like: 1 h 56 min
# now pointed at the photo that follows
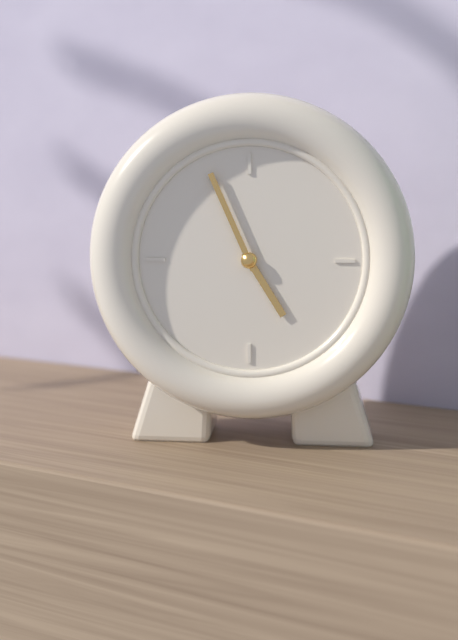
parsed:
4 h 56 min
